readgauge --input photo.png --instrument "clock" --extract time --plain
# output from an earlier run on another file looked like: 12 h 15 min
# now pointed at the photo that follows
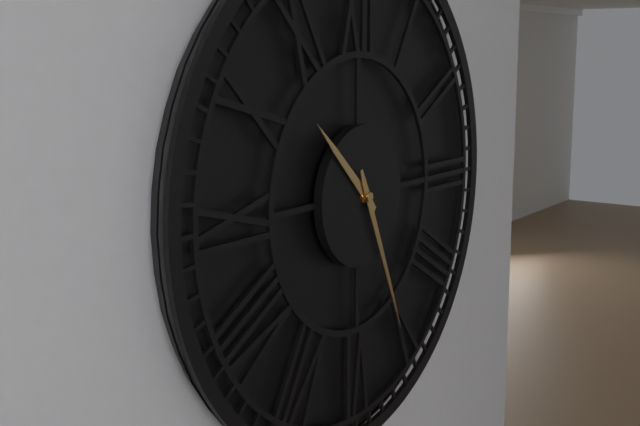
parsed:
10 h 26 min
